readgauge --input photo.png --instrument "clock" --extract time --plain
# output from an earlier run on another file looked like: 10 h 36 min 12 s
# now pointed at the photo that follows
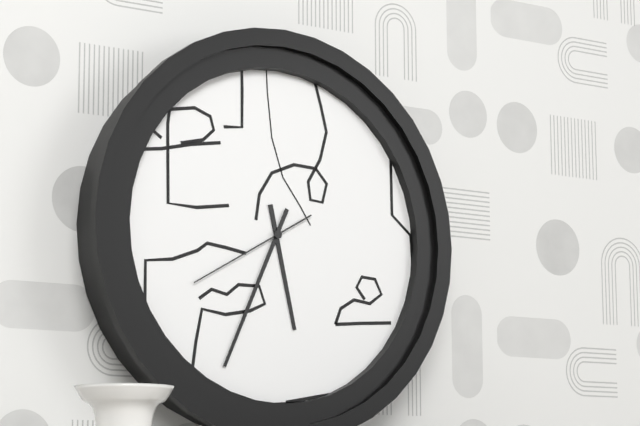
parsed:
5 h 34 min 40 s
